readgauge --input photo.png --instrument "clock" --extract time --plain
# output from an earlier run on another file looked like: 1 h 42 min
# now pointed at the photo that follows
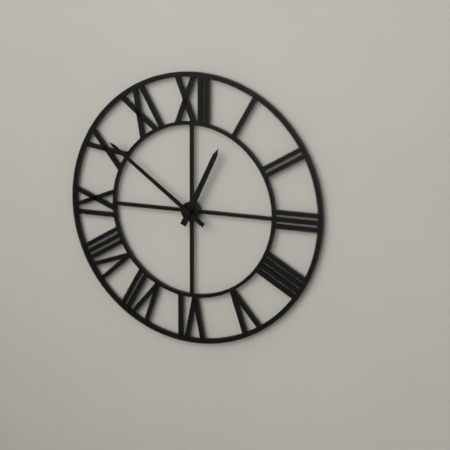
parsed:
12 h 51 min
